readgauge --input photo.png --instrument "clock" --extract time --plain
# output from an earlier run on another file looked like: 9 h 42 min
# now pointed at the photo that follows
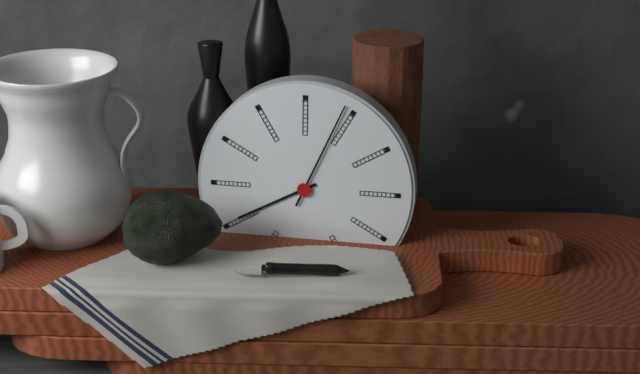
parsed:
8 h 04 min
